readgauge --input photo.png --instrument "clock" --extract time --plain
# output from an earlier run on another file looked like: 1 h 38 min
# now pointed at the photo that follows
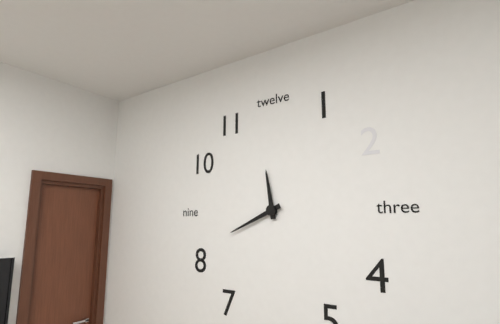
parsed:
11 h 41 min
